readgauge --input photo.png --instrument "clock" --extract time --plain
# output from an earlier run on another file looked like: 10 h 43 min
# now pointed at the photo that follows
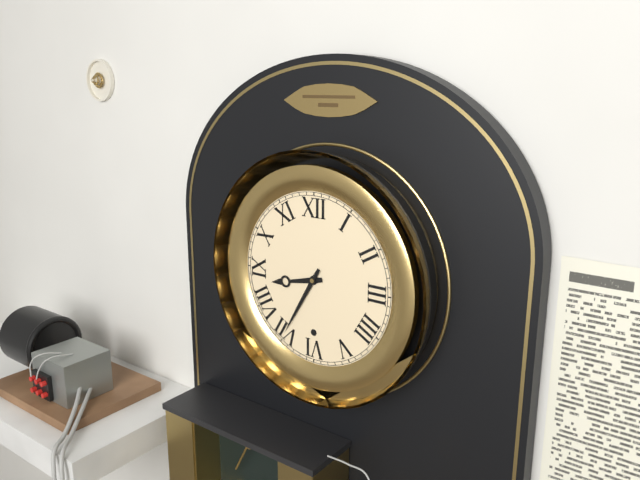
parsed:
8 h 35 min
